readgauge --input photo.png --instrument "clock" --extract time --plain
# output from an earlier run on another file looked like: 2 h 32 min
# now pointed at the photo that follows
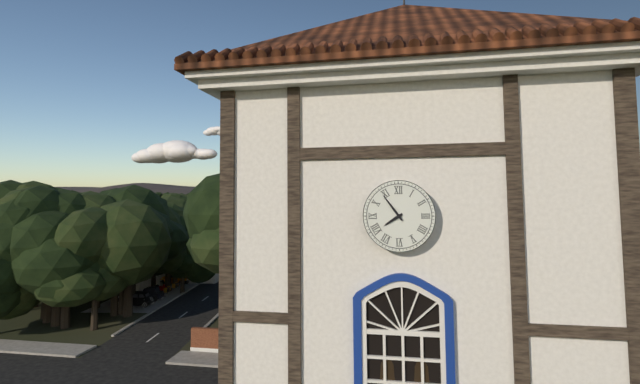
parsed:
7 h 54 min
